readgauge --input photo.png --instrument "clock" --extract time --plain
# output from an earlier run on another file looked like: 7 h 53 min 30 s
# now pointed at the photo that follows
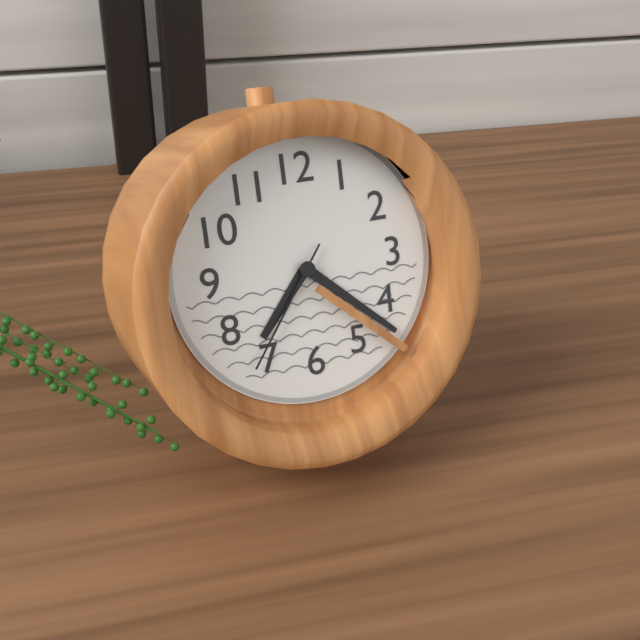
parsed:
7 h 22 min 36 s
